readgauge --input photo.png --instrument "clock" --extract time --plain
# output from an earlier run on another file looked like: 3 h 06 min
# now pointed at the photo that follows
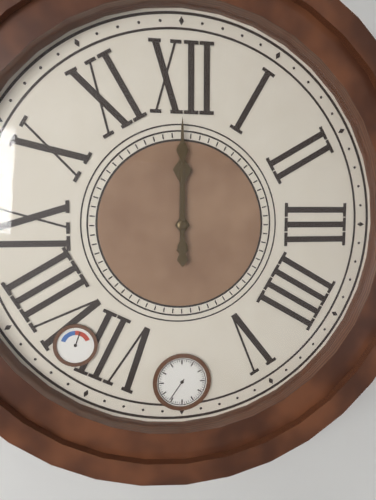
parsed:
12 h 00 min
